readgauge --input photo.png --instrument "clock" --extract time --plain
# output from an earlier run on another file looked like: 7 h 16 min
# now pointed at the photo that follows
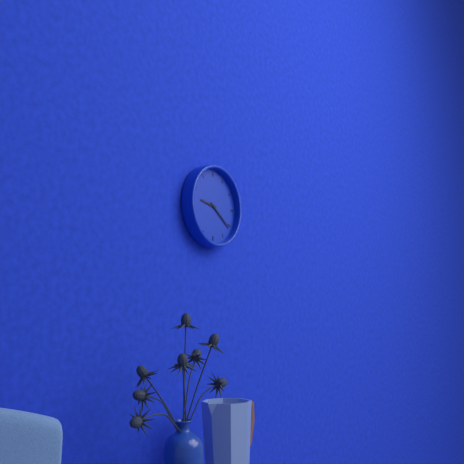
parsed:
9 h 21 min
